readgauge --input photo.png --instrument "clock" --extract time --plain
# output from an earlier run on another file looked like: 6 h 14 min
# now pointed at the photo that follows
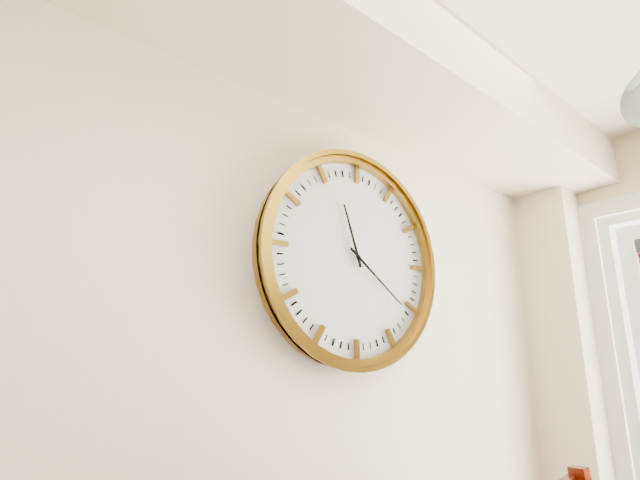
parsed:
11 h 21 min
